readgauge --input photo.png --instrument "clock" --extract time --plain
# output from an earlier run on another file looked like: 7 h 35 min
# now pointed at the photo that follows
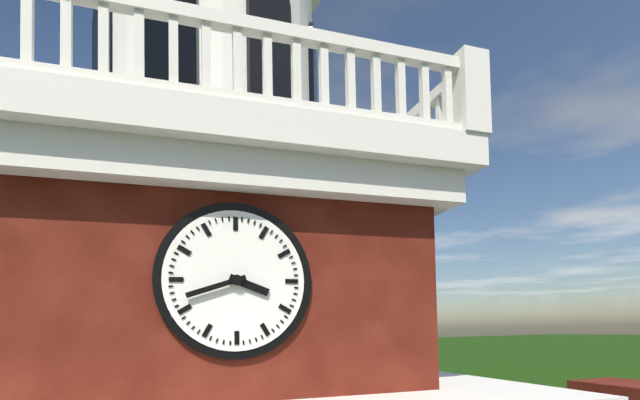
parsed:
3 h 42 min
